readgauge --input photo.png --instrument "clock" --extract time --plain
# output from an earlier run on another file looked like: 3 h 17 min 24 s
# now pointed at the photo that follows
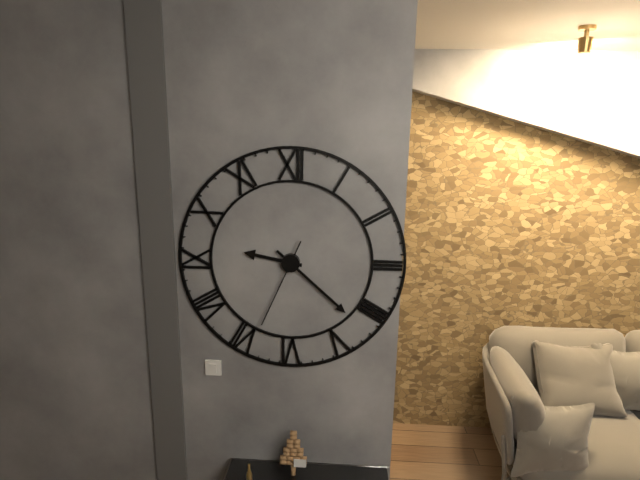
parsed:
9 h 22 min 34 s
